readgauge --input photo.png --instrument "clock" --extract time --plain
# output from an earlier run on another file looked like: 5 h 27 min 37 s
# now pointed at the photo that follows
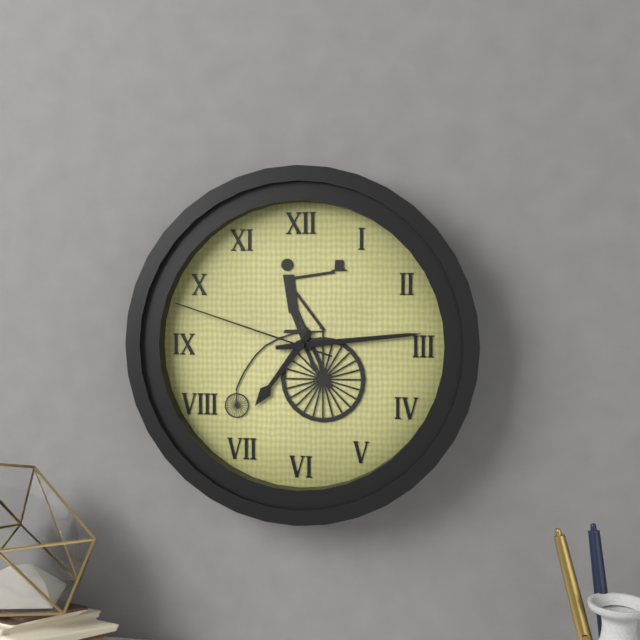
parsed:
7 h 14 min 48 s
